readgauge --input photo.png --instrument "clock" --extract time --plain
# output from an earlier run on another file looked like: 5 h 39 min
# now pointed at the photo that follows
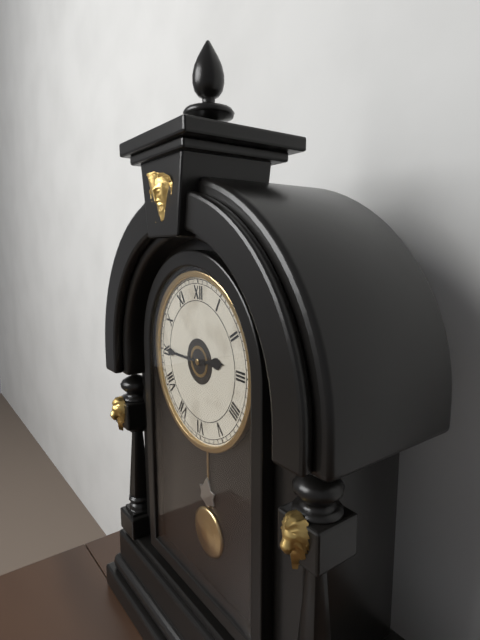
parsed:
2 h 45 min
